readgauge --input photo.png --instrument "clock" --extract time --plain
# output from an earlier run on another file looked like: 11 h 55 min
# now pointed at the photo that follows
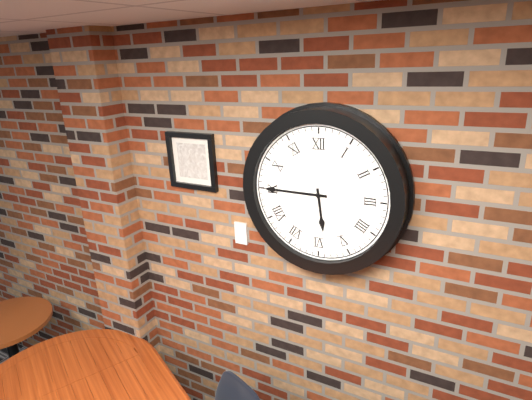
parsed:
5 h 45 min
